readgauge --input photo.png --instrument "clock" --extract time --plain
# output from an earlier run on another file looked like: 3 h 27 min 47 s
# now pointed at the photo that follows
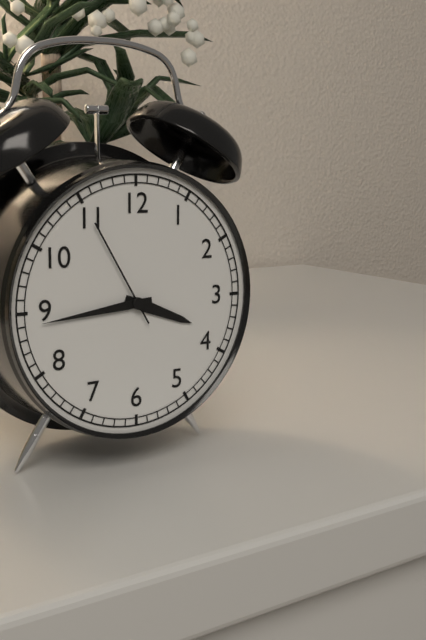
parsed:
3 h 44 min 55 s
